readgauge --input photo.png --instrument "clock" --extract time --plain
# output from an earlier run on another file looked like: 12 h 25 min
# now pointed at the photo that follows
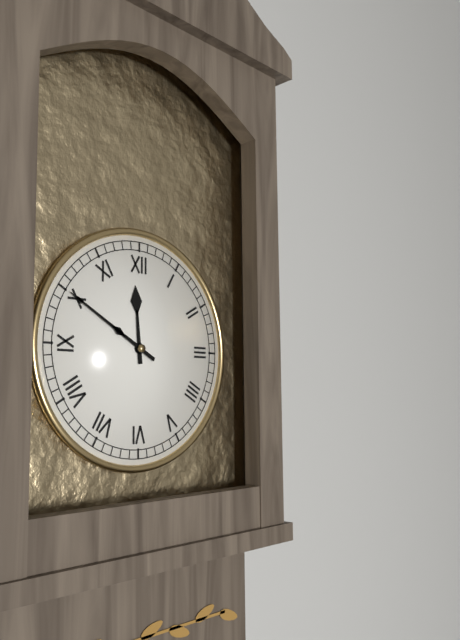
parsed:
11 h 50 min
